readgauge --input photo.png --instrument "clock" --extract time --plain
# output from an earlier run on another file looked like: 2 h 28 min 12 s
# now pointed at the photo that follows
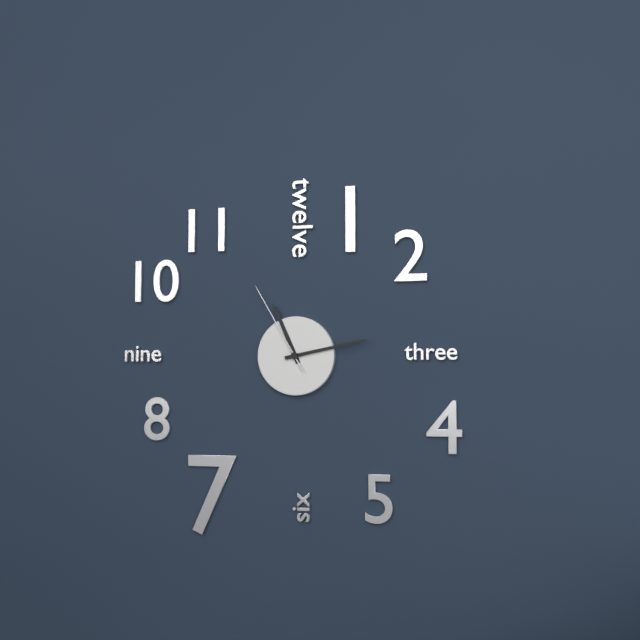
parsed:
11 h 13 min 55 s
